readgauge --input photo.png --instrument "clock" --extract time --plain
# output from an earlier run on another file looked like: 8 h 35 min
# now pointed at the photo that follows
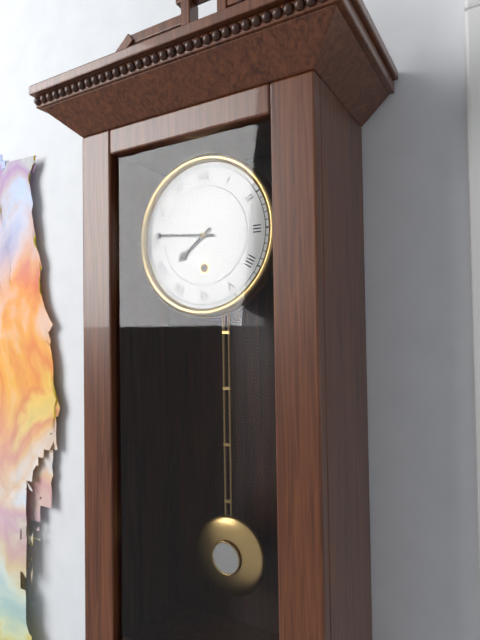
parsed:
7 h 46 min
